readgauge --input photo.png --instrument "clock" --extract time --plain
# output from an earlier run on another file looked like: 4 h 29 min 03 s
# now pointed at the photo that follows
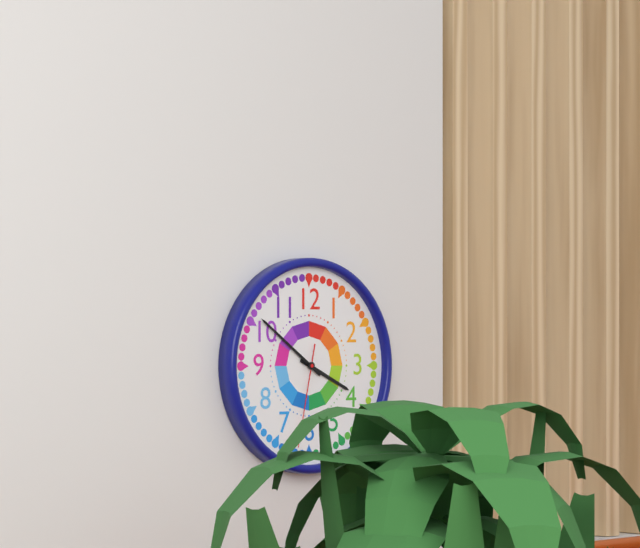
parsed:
3 h 51 min 32 s
